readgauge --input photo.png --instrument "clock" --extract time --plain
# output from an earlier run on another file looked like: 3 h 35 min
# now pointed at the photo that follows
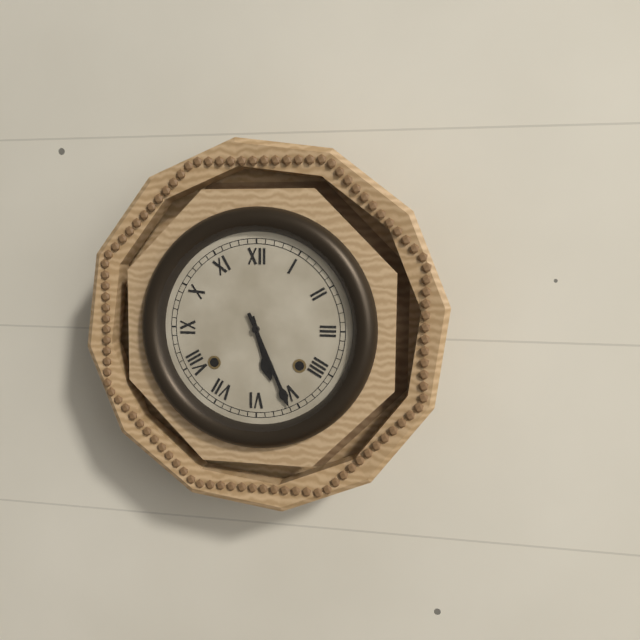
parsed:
5 h 26 min
